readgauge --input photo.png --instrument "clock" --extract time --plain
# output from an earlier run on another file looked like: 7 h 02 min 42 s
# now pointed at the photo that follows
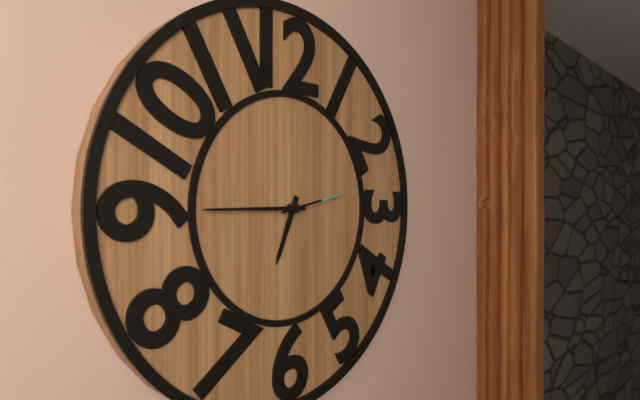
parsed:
6 h 45 min 13 s
